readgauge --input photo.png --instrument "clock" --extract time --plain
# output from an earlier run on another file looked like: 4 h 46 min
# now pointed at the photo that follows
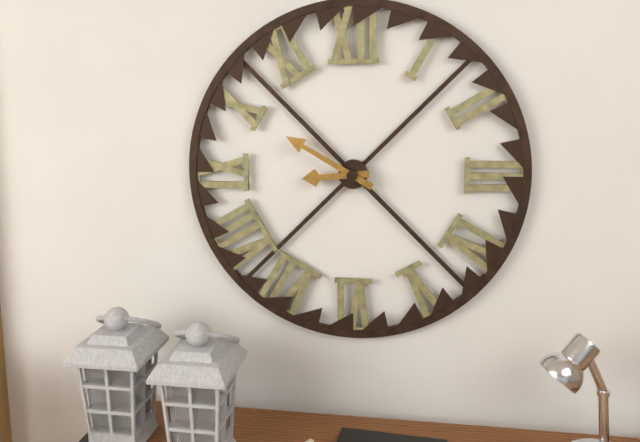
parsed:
8 h 50 min
